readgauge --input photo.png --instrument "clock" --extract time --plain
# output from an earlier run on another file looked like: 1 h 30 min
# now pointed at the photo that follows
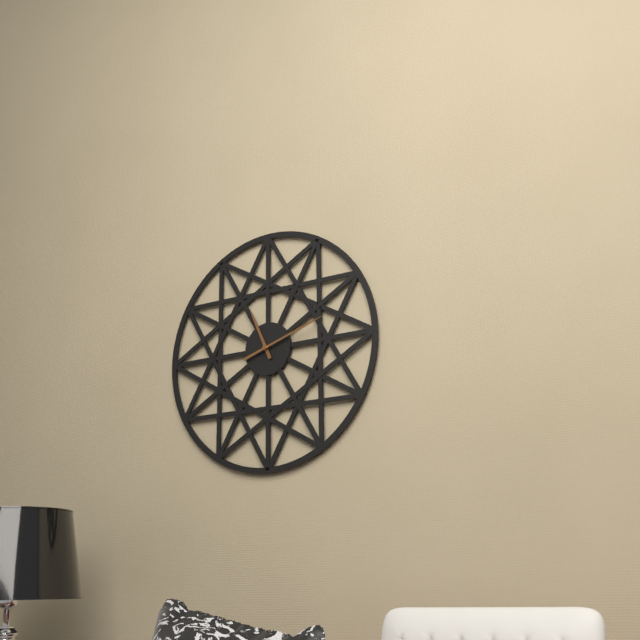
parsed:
11 h 12 min
